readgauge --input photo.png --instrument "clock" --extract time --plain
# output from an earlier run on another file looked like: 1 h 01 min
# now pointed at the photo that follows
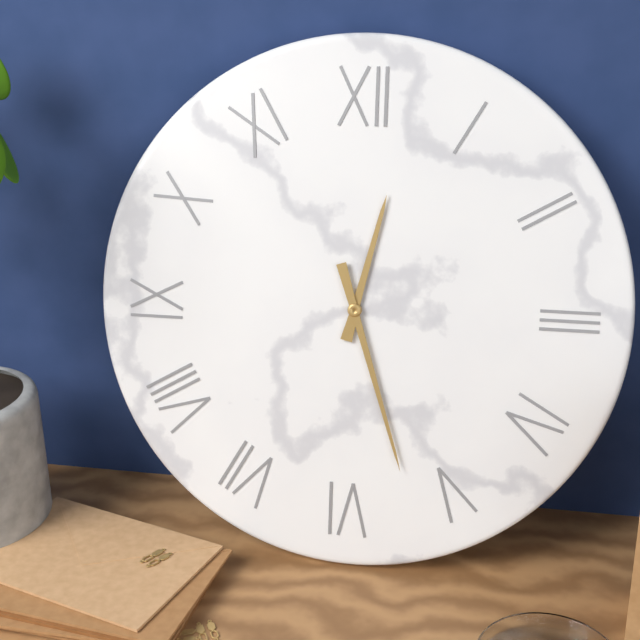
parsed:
12 h 27 min
